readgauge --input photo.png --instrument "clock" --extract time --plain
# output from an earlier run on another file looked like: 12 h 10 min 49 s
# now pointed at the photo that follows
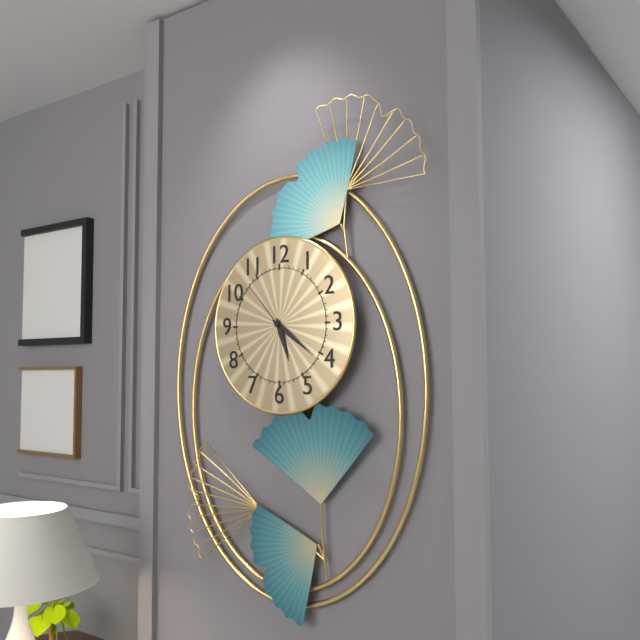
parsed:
5 h 21 min 53 s
